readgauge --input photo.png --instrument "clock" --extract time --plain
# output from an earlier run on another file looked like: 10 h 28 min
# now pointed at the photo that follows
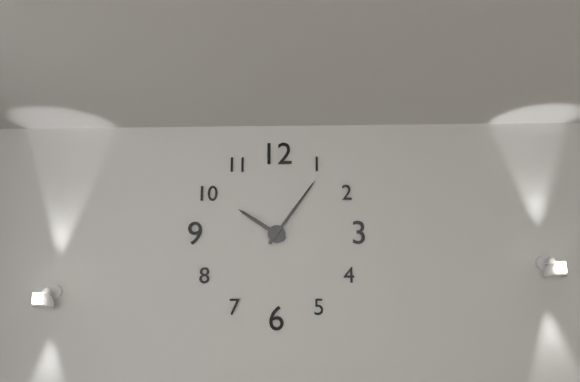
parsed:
10 h 06 min
